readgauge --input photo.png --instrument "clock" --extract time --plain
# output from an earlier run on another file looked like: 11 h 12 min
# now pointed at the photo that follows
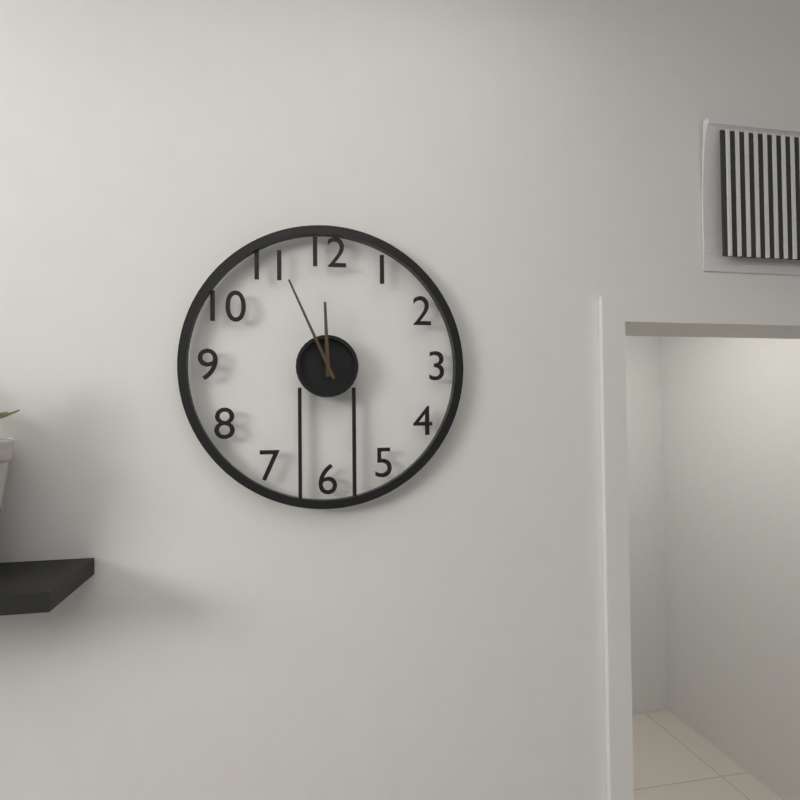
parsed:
11 h 56 min
